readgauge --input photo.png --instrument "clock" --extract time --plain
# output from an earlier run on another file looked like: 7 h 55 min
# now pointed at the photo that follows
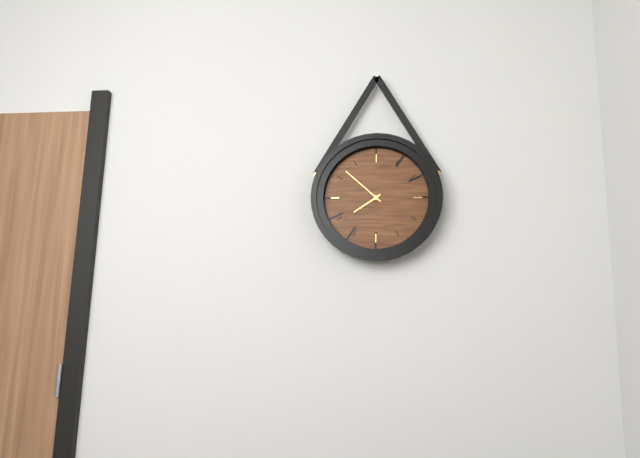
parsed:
7 h 52 min
